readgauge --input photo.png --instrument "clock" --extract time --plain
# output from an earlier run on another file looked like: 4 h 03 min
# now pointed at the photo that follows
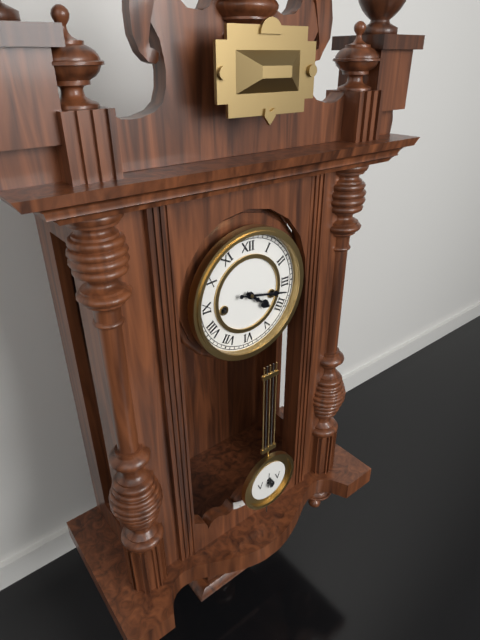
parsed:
4 h 17 min
